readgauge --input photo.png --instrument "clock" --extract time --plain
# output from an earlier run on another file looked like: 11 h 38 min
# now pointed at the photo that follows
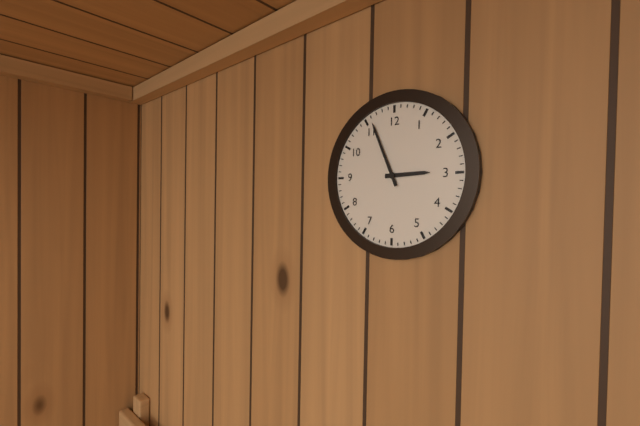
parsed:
2 h 56 min
